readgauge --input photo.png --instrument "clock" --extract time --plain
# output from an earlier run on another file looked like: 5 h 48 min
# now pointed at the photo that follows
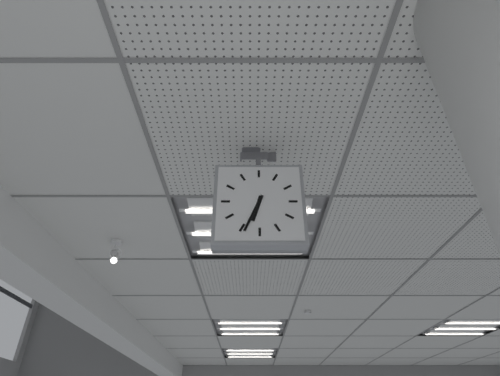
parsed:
6 h 34 min
